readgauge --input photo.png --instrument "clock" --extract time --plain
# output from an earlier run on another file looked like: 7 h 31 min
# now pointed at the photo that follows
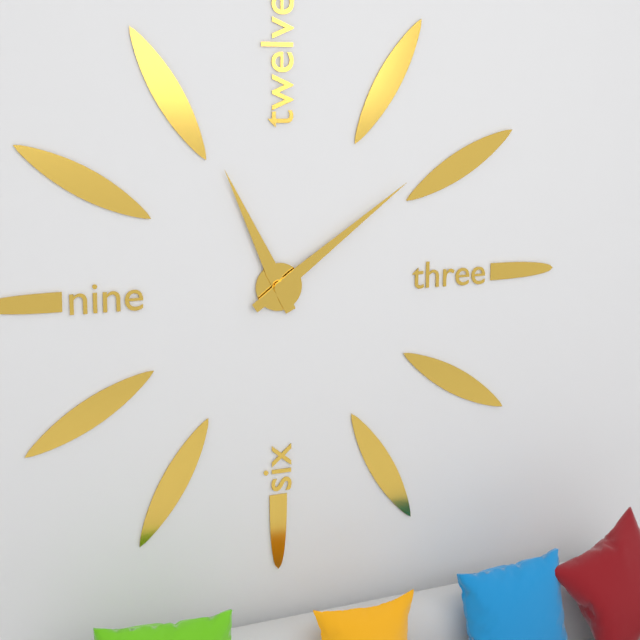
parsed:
11 h 09 min
